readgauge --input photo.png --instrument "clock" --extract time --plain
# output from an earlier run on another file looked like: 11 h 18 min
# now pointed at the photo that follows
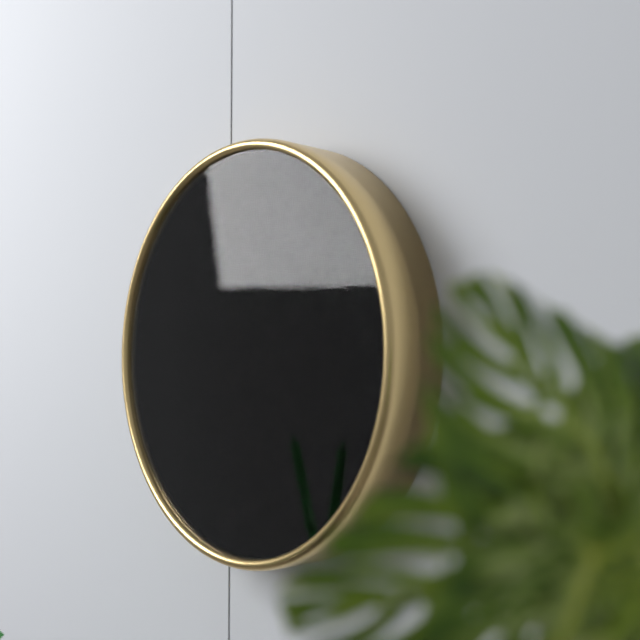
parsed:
6 h 56 min
